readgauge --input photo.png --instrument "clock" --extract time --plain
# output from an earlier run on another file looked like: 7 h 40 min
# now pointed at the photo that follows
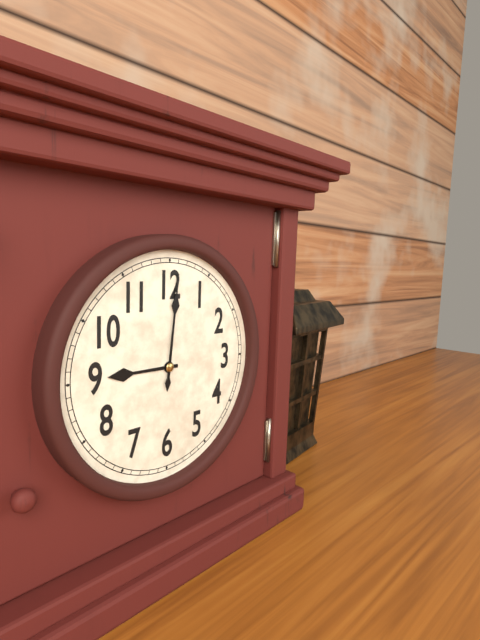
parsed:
9 h 01 min
